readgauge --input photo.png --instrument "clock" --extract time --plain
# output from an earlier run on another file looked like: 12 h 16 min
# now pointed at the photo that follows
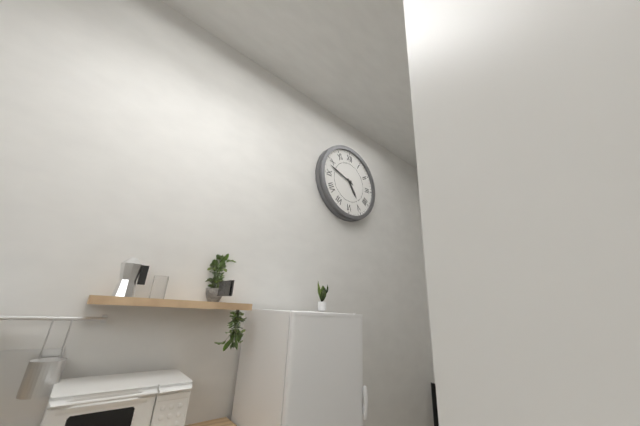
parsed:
4 h 48 min
